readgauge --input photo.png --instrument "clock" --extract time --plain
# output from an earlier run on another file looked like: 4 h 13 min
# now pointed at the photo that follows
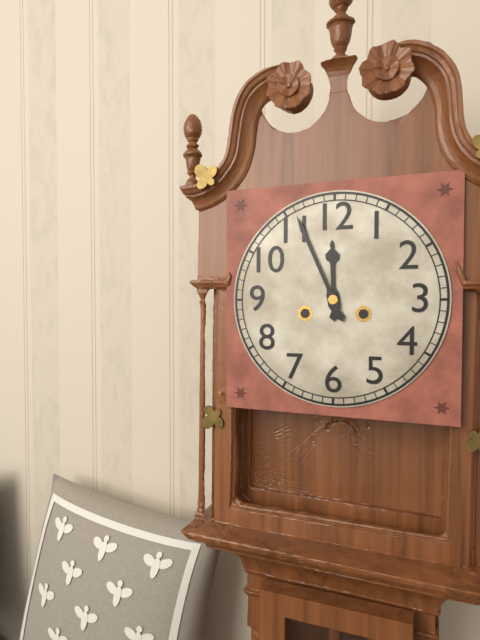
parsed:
11 h 56 min
